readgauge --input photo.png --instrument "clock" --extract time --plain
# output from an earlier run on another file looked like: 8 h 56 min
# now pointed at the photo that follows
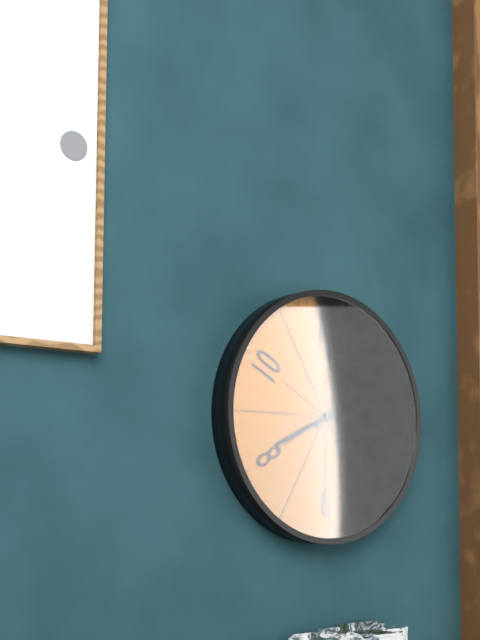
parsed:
8 h 09 min
